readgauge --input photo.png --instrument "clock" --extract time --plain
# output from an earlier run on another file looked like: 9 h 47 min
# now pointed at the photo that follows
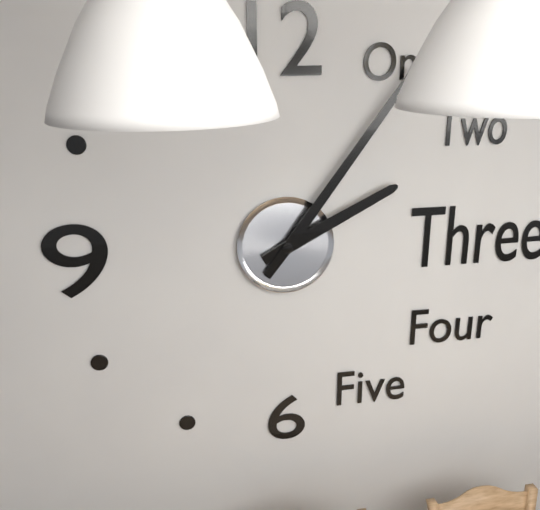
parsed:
2 h 06 min
